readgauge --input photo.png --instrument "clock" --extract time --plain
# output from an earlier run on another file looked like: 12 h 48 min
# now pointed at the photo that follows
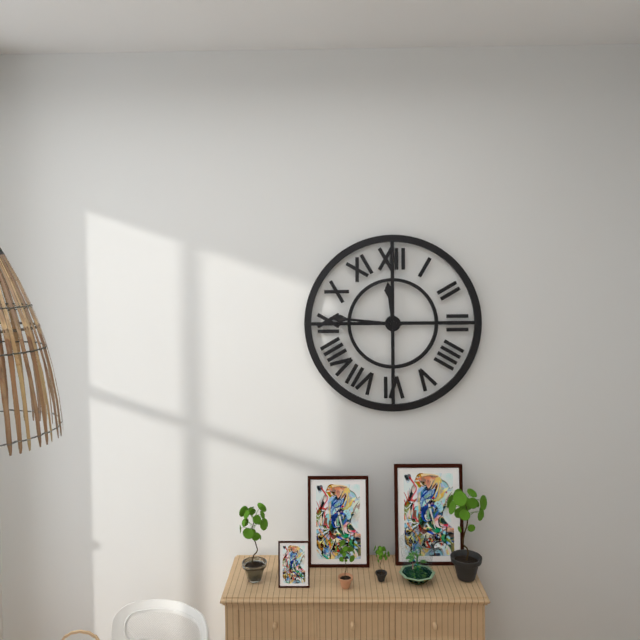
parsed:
11 h 46 min
